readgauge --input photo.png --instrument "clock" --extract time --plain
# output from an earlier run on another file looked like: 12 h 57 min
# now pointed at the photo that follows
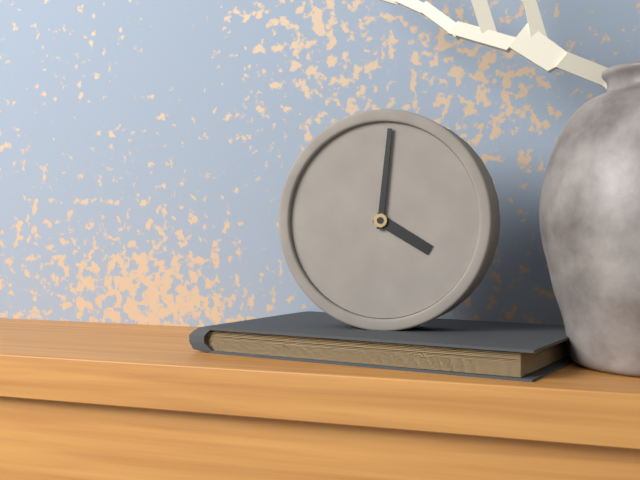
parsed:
4 h 01 min
